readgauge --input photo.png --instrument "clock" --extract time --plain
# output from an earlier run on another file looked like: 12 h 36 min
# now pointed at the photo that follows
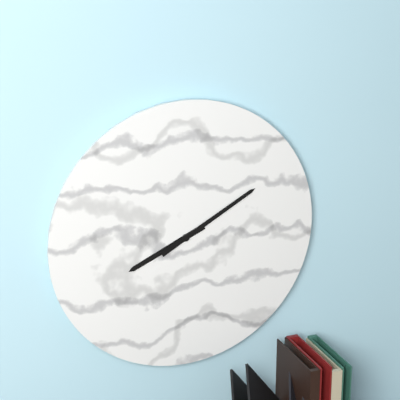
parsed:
8 h 10 min
